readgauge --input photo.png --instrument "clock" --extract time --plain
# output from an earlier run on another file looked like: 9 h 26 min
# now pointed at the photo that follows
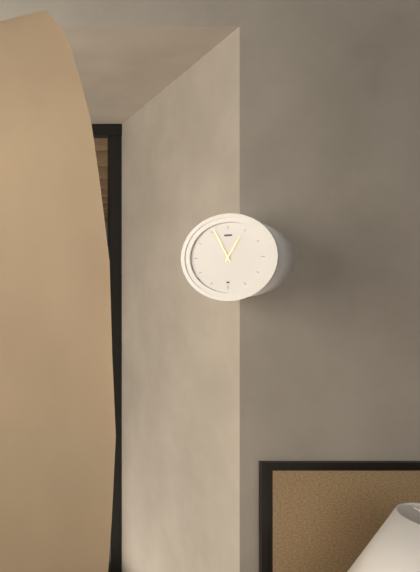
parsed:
12 h 56 min
